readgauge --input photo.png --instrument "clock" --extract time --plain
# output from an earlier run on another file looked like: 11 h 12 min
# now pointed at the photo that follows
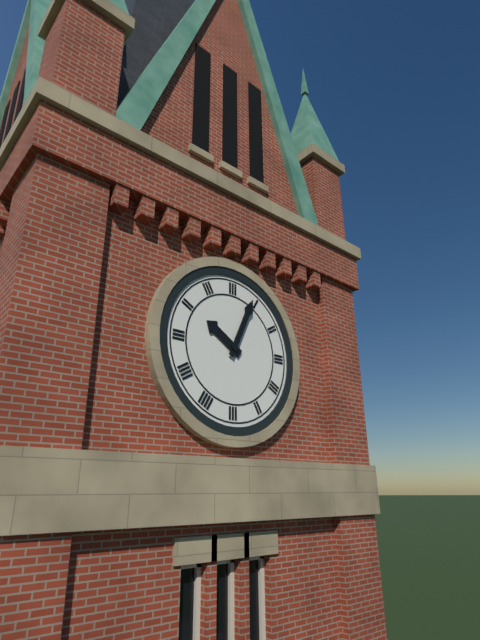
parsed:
10 h 04 min
